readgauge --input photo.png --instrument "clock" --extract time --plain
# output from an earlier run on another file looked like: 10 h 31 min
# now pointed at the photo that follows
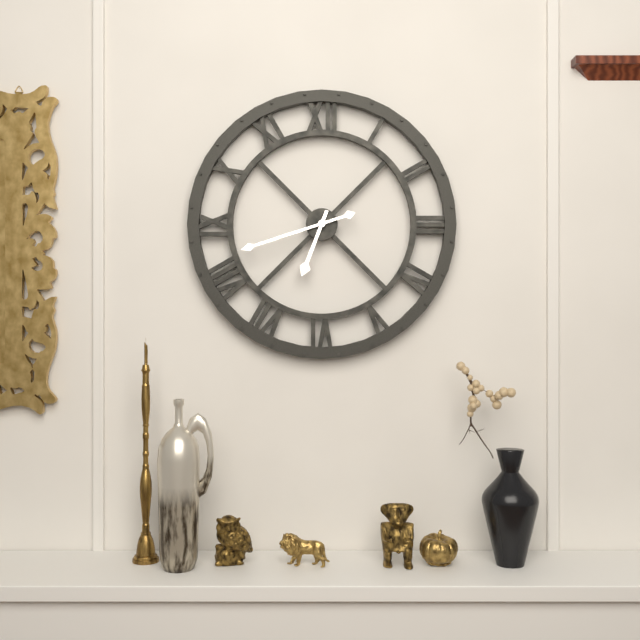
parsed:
6 h 42 min
